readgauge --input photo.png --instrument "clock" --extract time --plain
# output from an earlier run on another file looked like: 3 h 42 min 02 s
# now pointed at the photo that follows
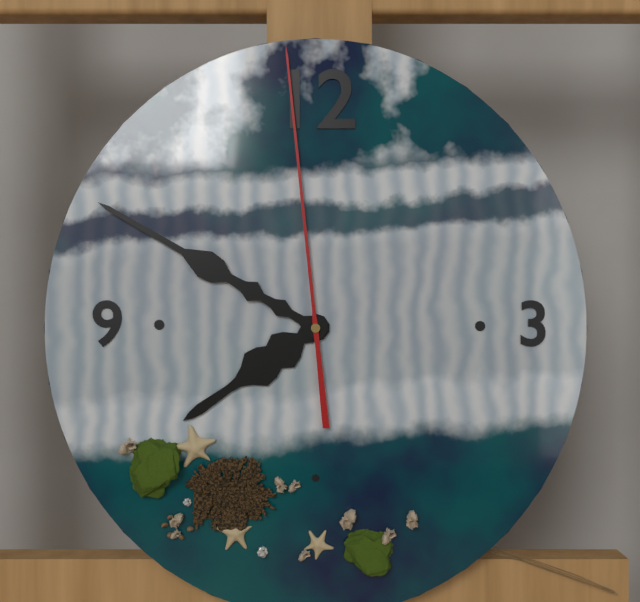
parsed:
7 h 50 min 59 s
